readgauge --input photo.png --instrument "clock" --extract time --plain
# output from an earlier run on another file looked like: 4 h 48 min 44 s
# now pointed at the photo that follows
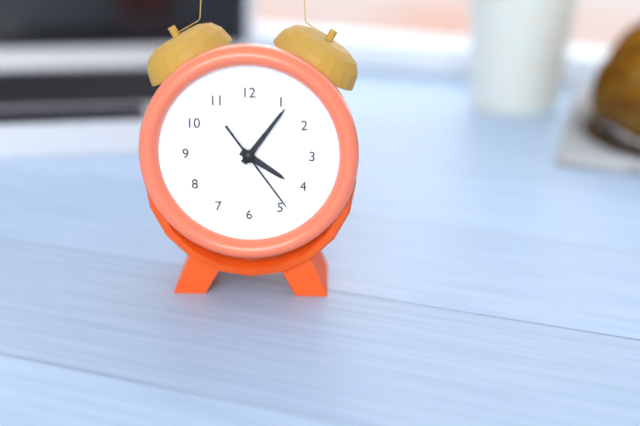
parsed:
4 h 06 min 24 s
